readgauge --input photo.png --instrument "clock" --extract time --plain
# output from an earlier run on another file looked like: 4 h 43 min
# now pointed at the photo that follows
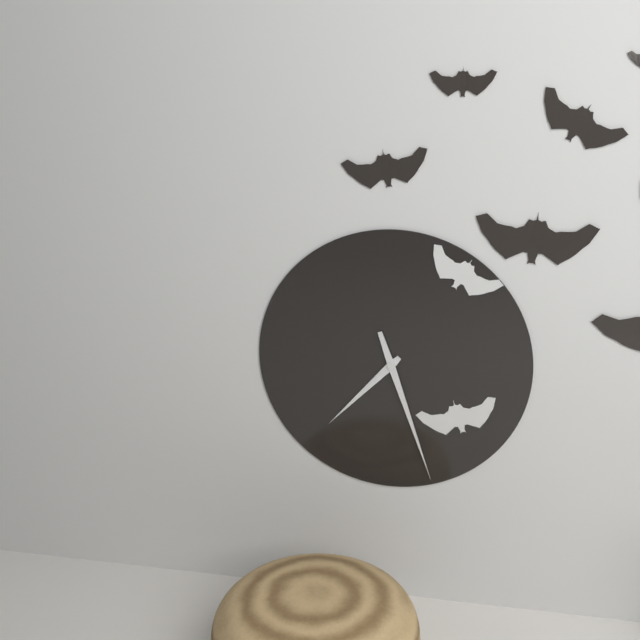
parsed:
7 h 27 min
